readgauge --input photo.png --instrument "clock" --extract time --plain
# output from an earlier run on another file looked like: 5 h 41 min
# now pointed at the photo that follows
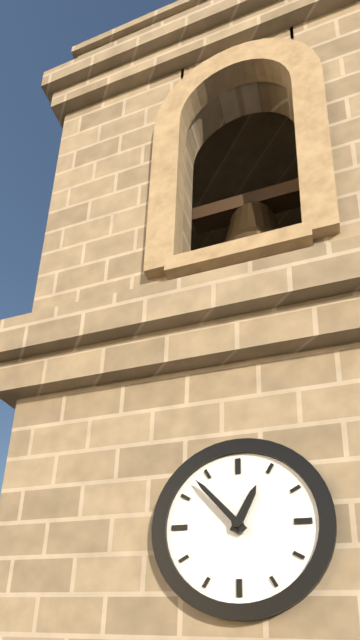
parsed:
12 h 53 min
